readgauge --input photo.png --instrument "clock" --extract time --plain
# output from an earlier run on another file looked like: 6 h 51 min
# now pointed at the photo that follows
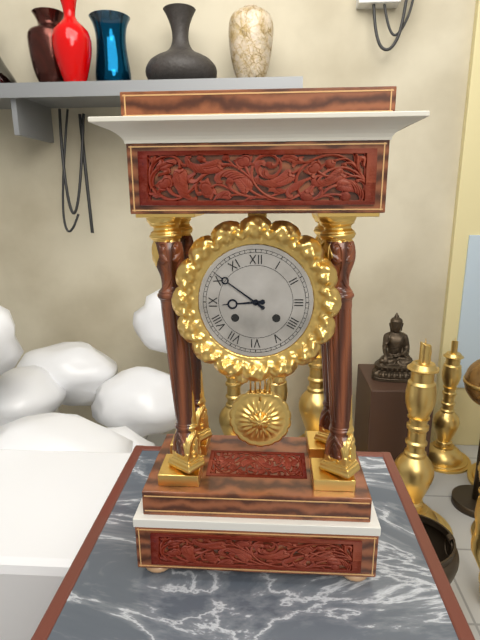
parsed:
8 h 51 min
